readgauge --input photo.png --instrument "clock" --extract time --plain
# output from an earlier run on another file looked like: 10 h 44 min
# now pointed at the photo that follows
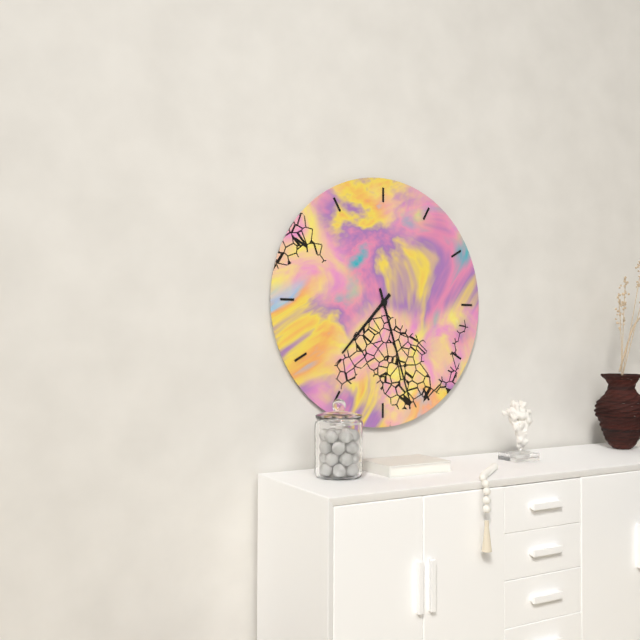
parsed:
7 h 27 min
